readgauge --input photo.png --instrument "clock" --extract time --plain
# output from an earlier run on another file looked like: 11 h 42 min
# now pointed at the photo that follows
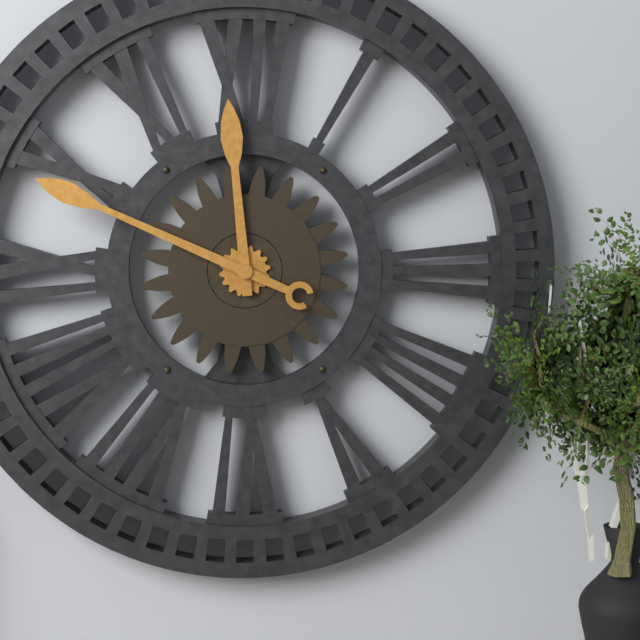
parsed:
11 h 49 min
